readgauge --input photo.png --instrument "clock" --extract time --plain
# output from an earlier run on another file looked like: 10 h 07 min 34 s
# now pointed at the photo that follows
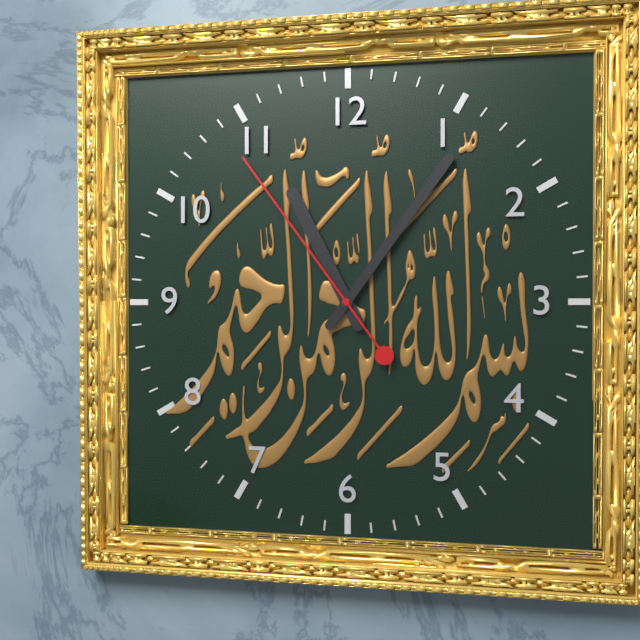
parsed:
11 h 06 min 54 s
